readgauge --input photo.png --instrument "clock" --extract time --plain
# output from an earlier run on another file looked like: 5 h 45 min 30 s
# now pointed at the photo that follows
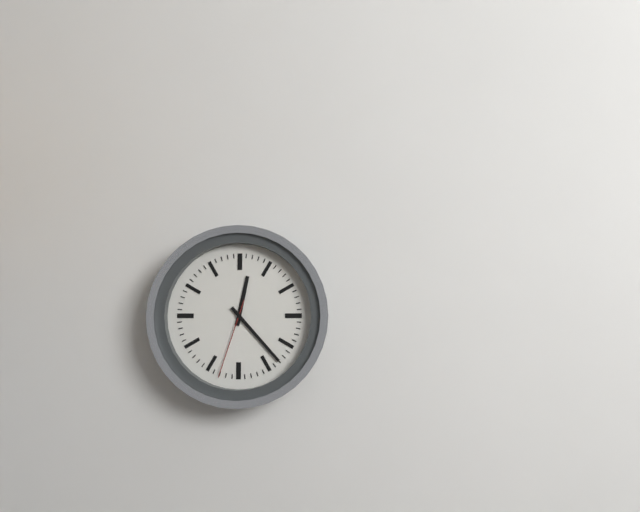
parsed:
12 h 23 min 33 s
